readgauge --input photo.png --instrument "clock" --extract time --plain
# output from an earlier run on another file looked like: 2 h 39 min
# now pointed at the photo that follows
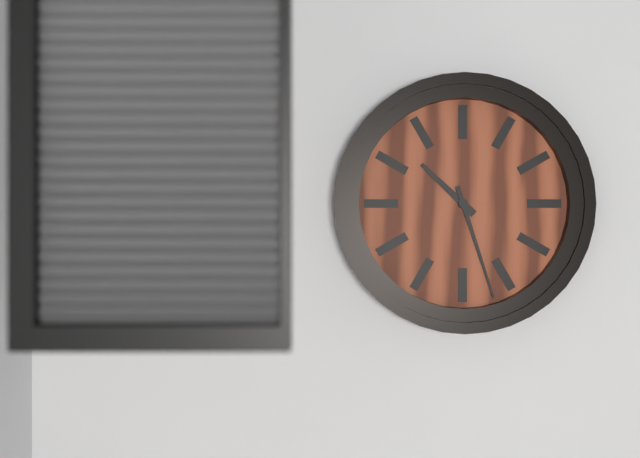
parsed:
10 h 27 min
